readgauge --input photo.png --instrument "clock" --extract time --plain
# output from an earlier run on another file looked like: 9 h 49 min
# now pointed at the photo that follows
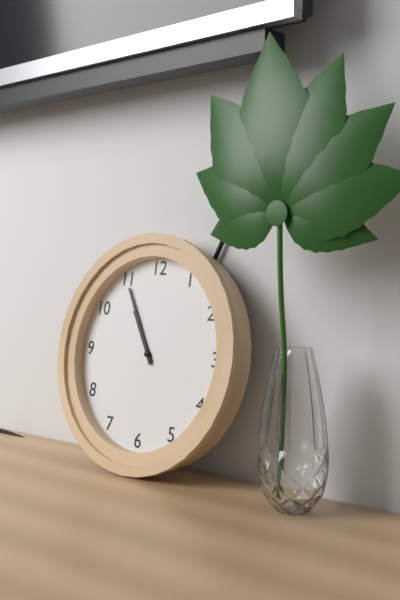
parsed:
10 h 55 min
